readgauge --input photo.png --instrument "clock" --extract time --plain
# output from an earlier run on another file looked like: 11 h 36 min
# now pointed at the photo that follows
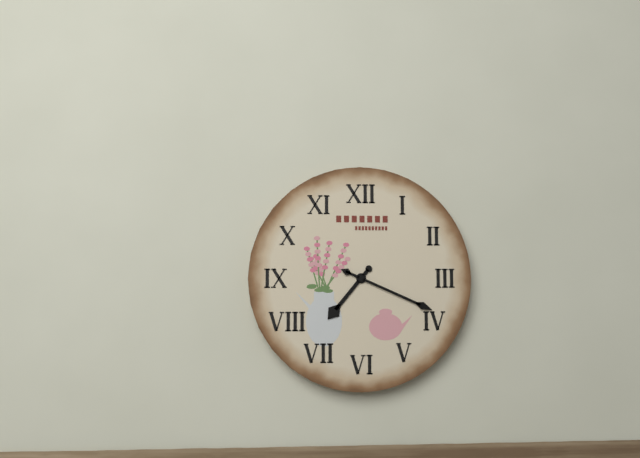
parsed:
7 h 19 min
